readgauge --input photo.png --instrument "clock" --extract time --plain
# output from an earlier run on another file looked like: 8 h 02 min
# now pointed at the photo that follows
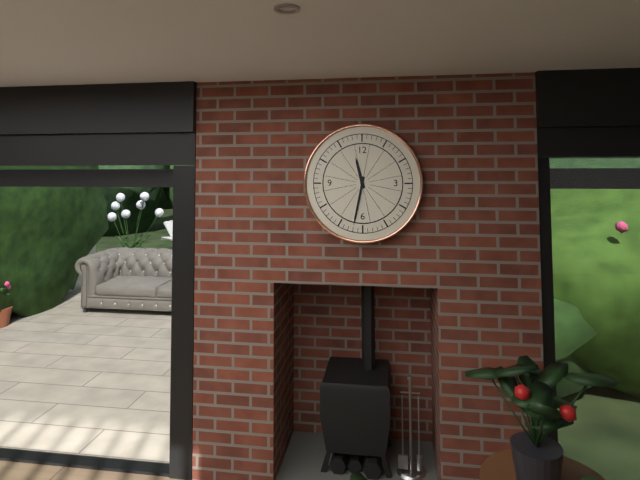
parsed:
11 h 32 min
